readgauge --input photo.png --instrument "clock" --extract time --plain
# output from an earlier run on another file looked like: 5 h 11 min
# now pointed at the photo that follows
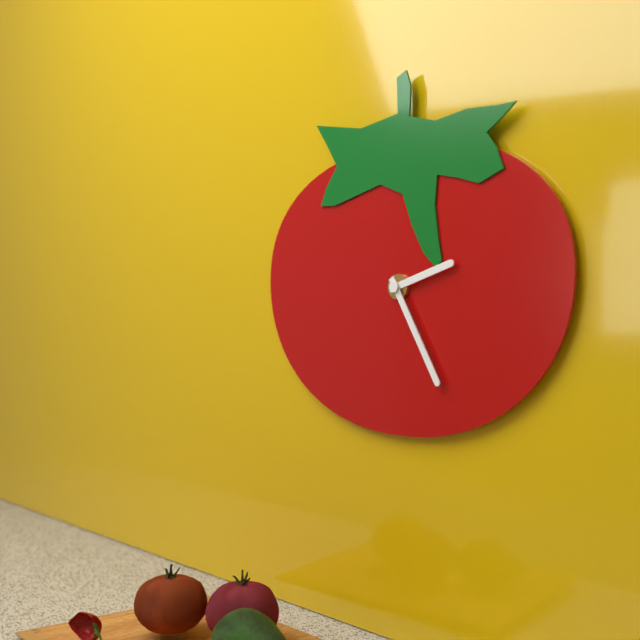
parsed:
2 h 25 min
